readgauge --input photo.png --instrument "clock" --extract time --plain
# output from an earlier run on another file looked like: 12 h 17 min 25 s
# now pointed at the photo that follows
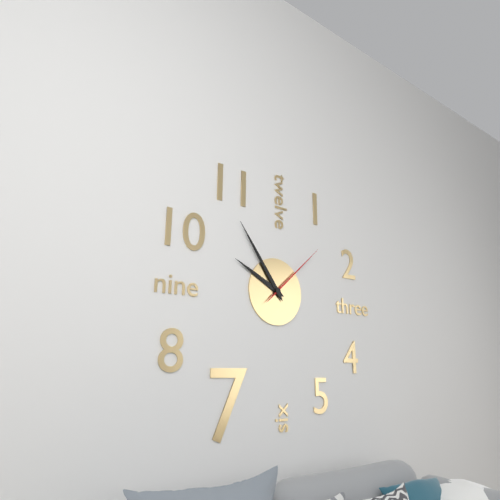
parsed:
9 h 54 min 08 s
